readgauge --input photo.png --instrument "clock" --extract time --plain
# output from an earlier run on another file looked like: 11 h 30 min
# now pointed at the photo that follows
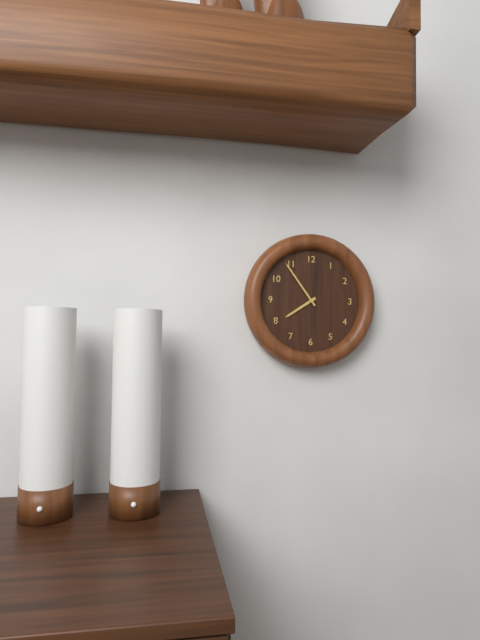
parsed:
7 h 54 min
